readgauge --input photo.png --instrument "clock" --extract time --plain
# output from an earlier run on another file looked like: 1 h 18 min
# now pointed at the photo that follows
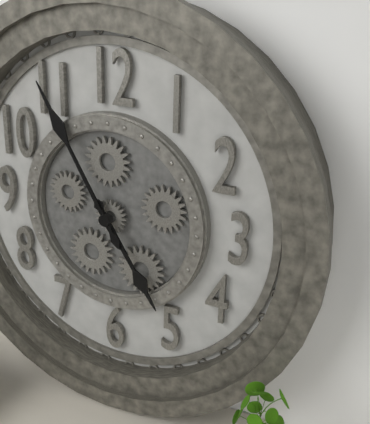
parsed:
4 h 55 min
